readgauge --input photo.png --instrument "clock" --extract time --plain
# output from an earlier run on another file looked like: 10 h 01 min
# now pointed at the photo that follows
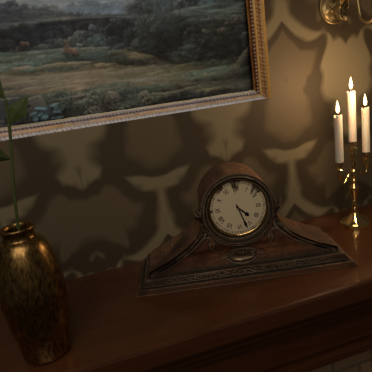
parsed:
4 h 27 min
